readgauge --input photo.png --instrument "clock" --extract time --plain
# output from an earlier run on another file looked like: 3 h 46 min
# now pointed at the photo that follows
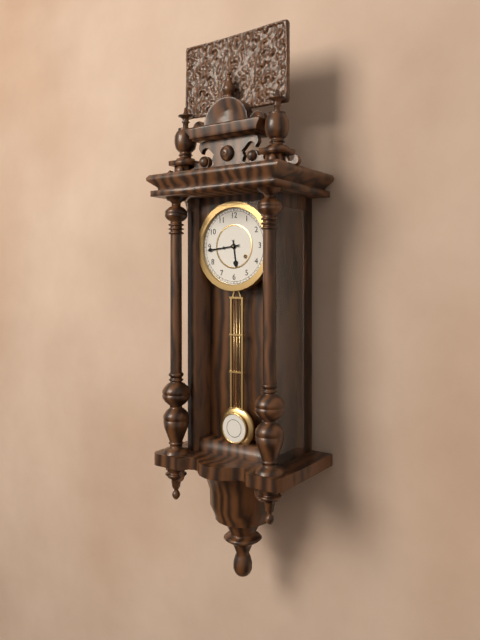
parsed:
5 h 44 min
